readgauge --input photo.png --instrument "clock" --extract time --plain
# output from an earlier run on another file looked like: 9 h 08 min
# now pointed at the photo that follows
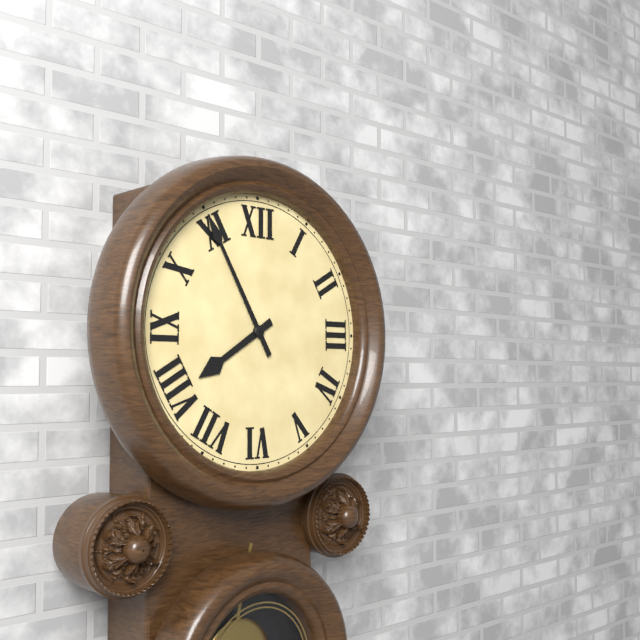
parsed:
7 h 55 min
